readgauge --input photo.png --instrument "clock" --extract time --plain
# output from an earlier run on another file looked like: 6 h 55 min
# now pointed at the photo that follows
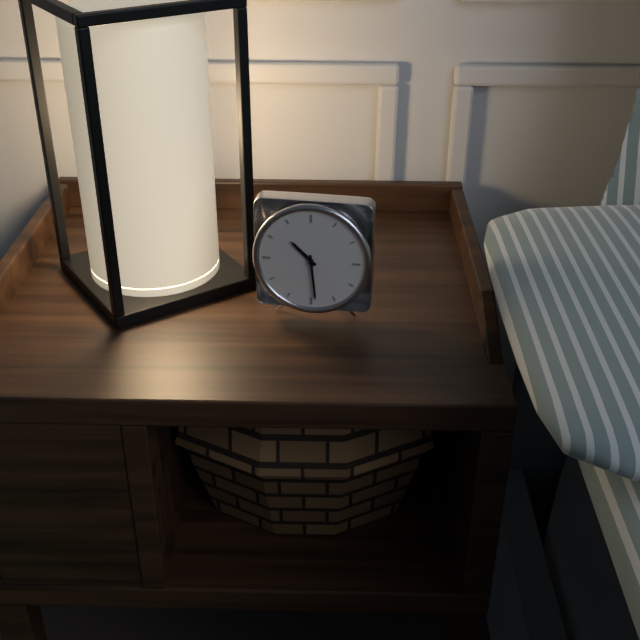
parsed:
10 h 29 min
